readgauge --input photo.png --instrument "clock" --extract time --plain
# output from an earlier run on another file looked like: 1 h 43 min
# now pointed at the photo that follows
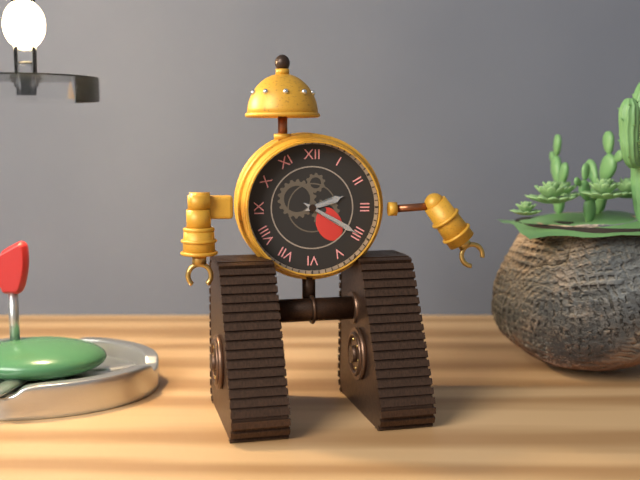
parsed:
2 h 20 min
